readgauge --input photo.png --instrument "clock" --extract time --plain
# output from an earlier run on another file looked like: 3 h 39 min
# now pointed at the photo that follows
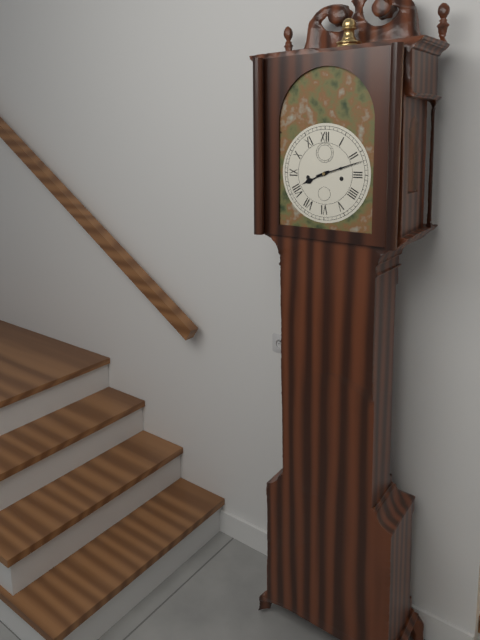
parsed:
8 h 12 min
